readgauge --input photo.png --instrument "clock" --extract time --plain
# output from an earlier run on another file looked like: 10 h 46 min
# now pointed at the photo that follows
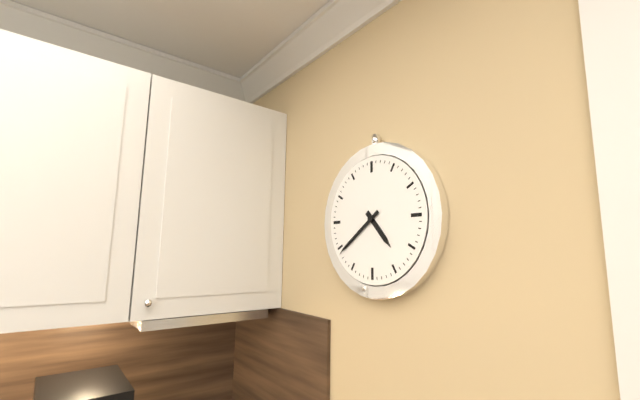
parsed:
4 h 39 min
